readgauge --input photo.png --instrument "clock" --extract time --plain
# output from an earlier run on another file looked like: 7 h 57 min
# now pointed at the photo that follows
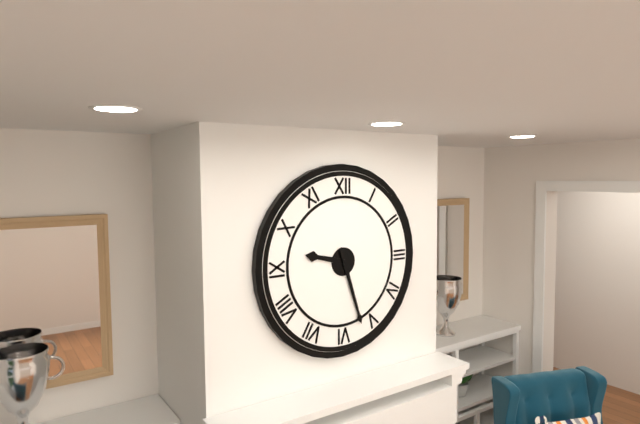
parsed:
9 h 27 min
